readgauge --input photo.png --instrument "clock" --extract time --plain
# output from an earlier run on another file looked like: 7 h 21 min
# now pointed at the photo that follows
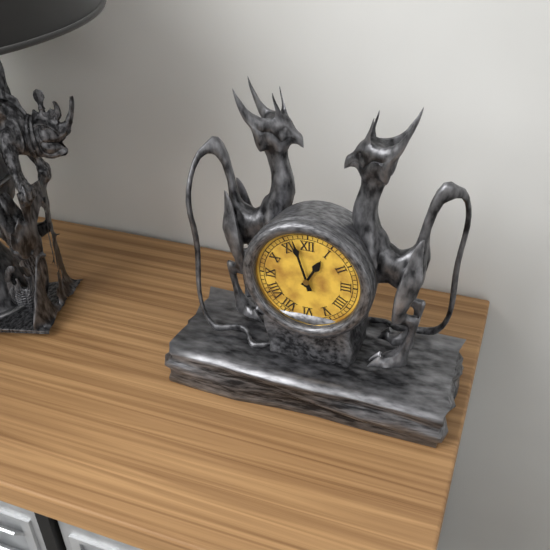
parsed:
12 h 57 min
